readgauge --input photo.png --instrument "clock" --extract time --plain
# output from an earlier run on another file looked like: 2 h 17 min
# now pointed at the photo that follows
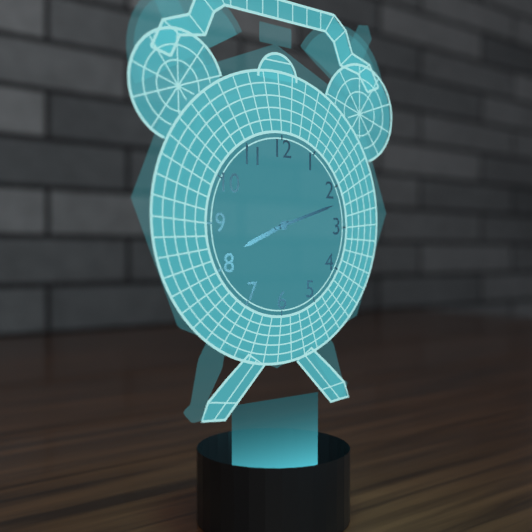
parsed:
8 h 12 min
